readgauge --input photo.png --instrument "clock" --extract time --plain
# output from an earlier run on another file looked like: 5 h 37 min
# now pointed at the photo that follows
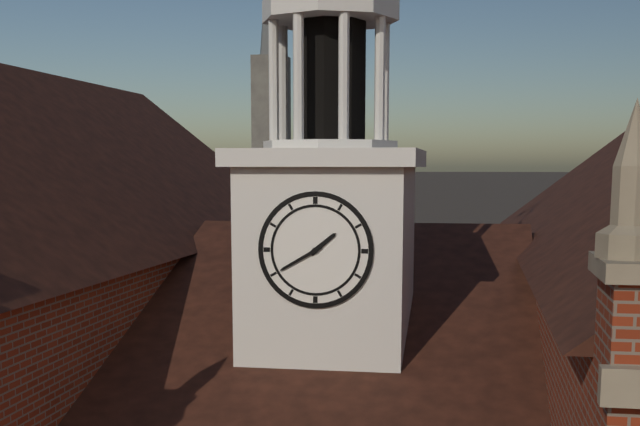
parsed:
1 h 40 min
